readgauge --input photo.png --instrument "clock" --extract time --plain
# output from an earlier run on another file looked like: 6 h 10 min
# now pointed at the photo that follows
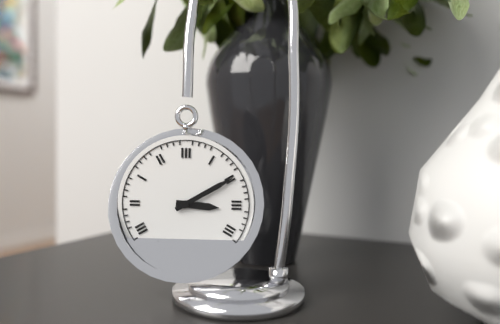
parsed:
3 h 10 min
